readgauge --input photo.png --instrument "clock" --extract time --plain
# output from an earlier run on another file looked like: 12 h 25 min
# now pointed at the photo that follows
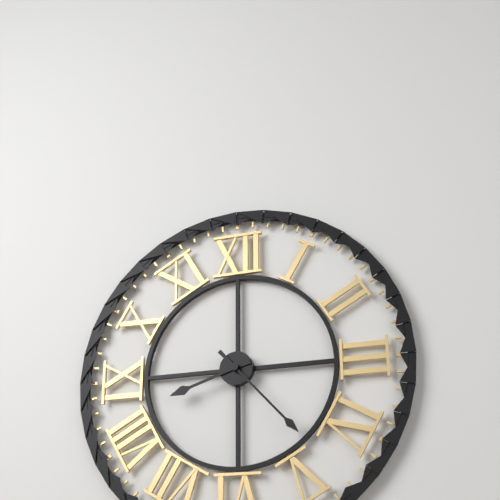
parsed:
8 h 23 min
